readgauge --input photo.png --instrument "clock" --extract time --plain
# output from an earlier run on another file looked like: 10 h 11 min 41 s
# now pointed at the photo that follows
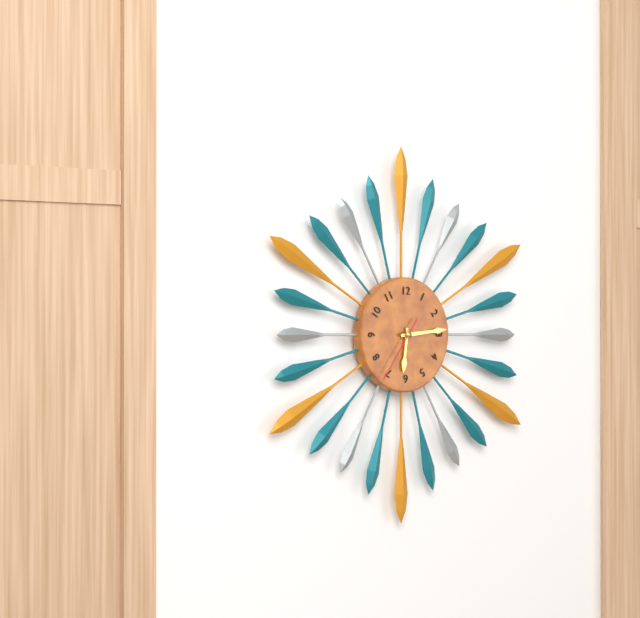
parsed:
6 h 14 min 36 s
